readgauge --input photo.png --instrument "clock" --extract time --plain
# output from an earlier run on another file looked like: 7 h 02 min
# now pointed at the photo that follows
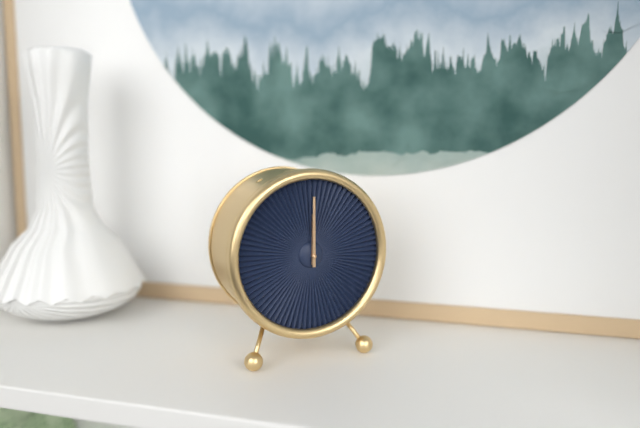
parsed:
12 h 00 min
